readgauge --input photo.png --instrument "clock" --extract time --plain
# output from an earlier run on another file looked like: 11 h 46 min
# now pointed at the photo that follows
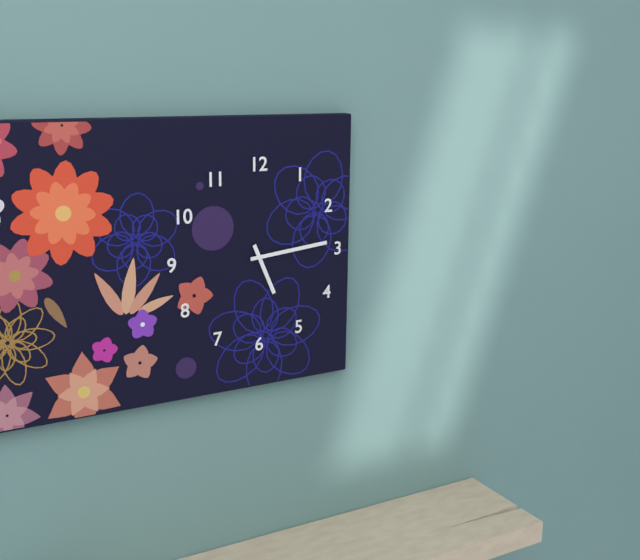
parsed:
5 h 14 min
